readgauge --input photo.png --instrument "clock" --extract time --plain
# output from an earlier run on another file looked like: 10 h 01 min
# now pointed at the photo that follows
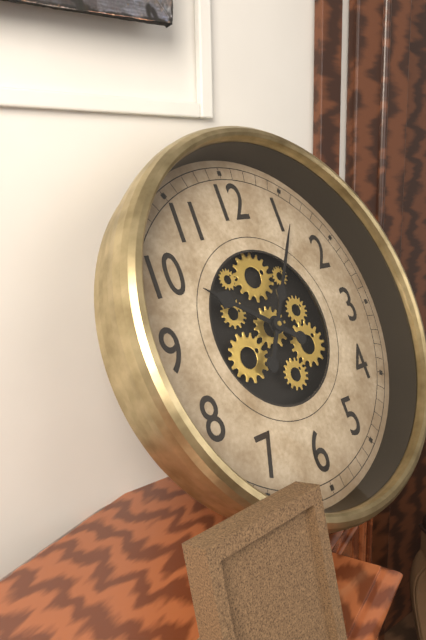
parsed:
10 h 06 min
